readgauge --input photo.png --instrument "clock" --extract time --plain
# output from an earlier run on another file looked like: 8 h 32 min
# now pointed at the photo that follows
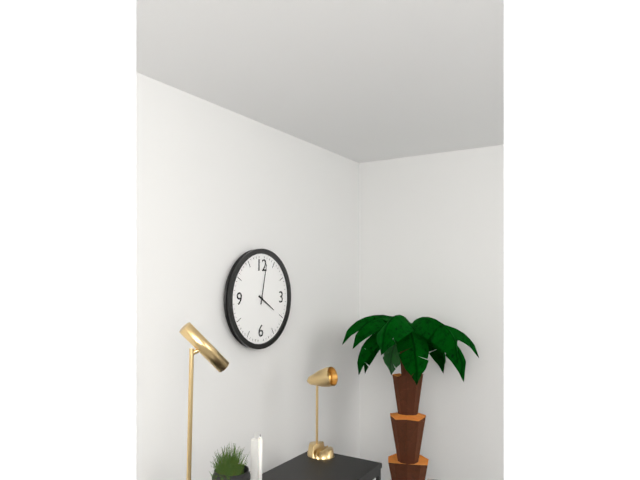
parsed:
4 h 02 min
